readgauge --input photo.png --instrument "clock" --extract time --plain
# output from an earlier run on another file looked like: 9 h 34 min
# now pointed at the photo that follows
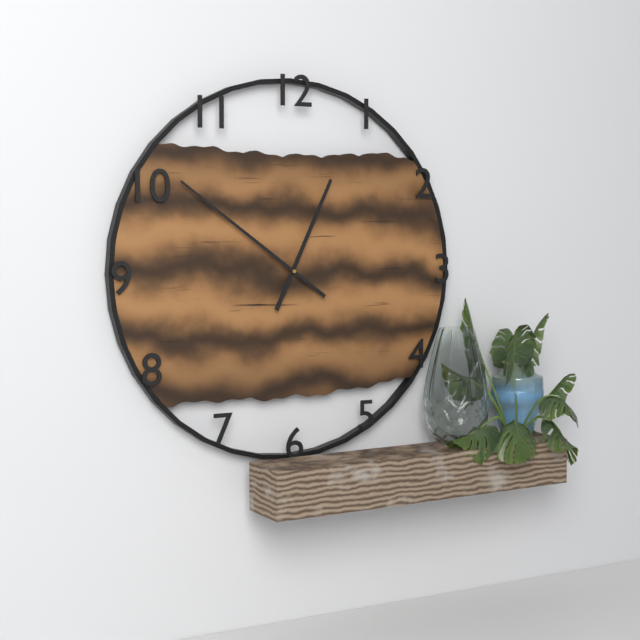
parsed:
12 h 51 min
